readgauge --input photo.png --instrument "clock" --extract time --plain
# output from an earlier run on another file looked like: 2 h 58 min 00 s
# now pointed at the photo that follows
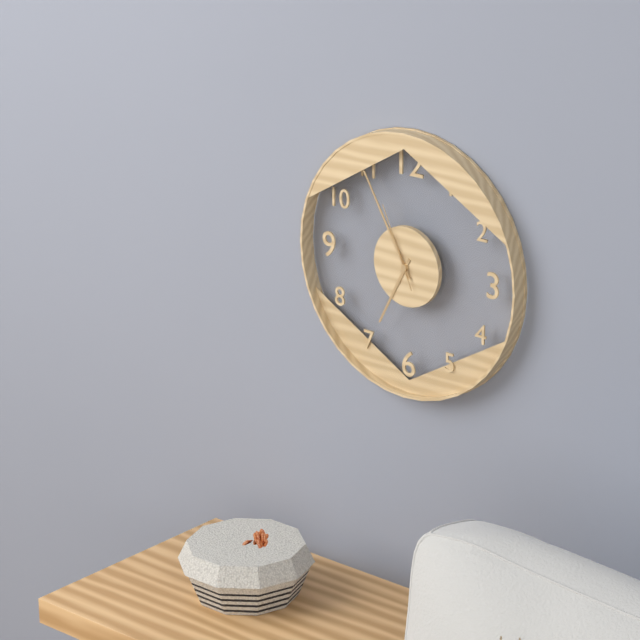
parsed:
6 h 55 min 56 s
